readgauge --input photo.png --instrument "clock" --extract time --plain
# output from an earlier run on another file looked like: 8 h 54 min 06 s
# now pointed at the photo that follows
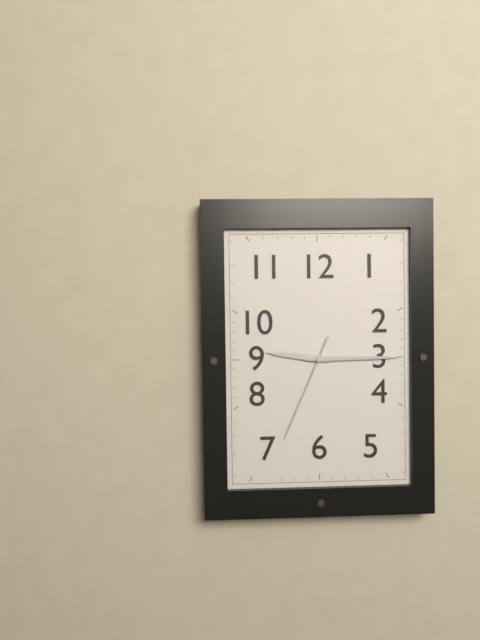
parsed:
9 h 15 min 34 s
